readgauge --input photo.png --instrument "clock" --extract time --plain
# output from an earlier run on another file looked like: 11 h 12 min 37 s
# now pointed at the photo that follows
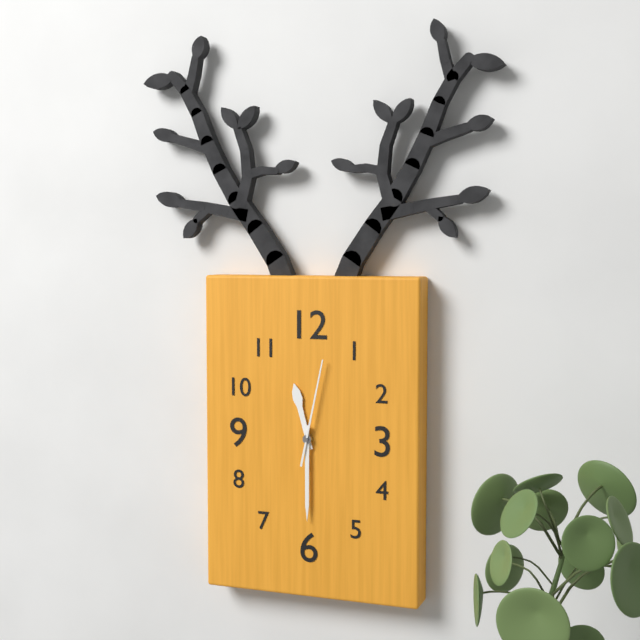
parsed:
11 h 30 min 02 s
